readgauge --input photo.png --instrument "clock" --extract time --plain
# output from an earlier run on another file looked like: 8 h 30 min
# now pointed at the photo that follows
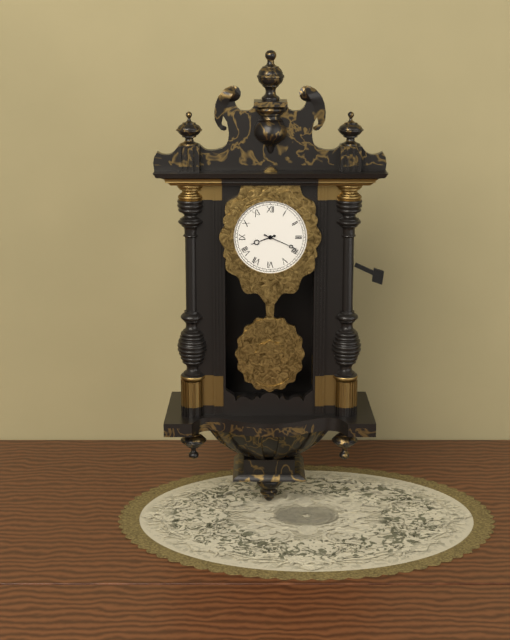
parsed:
8 h 19 min
